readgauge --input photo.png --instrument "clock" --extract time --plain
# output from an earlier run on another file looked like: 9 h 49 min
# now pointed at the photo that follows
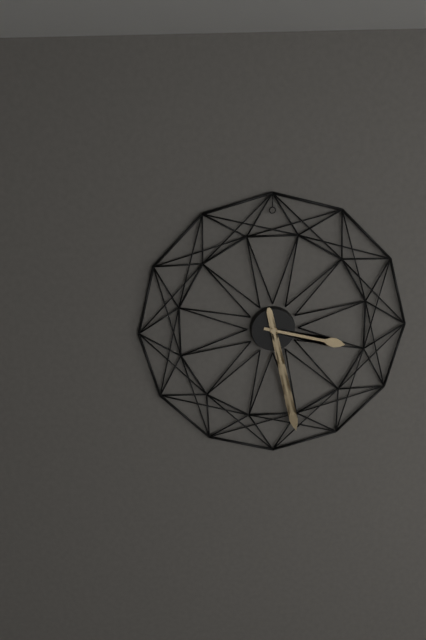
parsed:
3 h 28 min
